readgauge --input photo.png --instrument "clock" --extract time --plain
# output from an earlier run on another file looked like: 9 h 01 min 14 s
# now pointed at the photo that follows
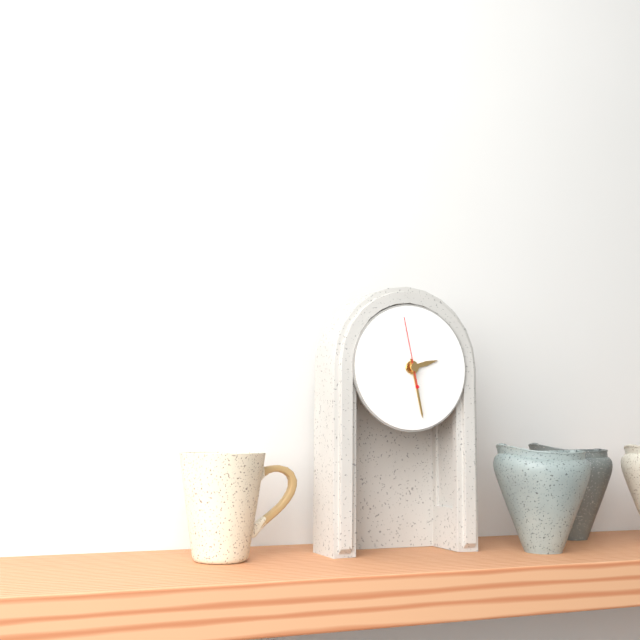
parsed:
2 h 28 min 58 s
